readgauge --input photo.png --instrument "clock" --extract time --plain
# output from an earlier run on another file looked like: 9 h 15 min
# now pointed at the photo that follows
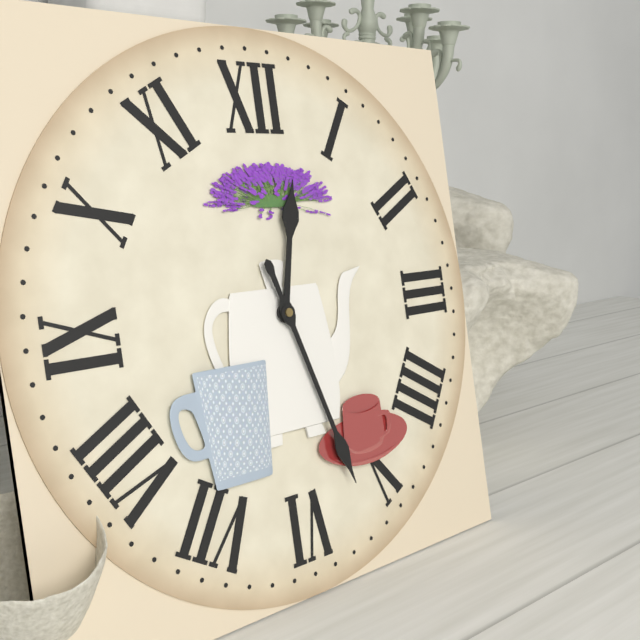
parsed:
12 h 27 min
